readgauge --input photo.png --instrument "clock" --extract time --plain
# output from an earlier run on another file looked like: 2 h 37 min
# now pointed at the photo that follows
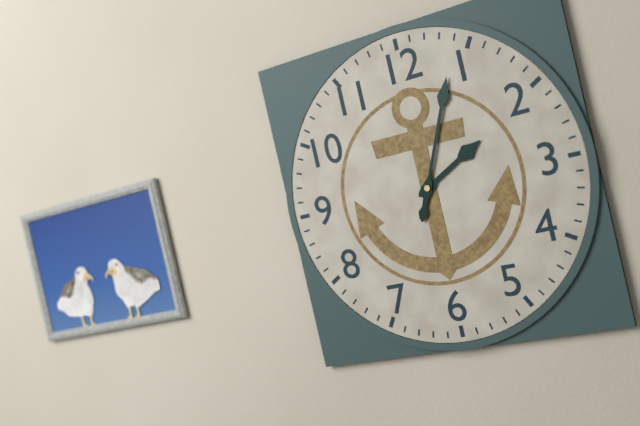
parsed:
2 h 04 min
